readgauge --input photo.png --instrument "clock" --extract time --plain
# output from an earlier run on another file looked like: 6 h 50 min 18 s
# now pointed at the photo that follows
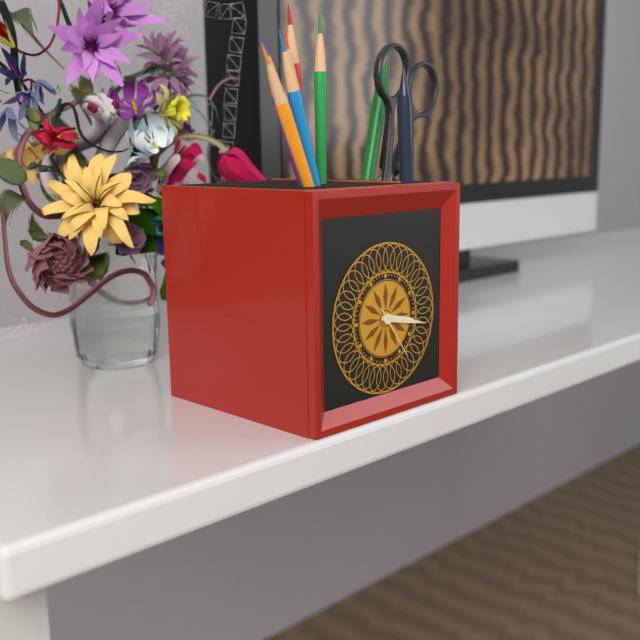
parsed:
3 h 17 min 24 s
